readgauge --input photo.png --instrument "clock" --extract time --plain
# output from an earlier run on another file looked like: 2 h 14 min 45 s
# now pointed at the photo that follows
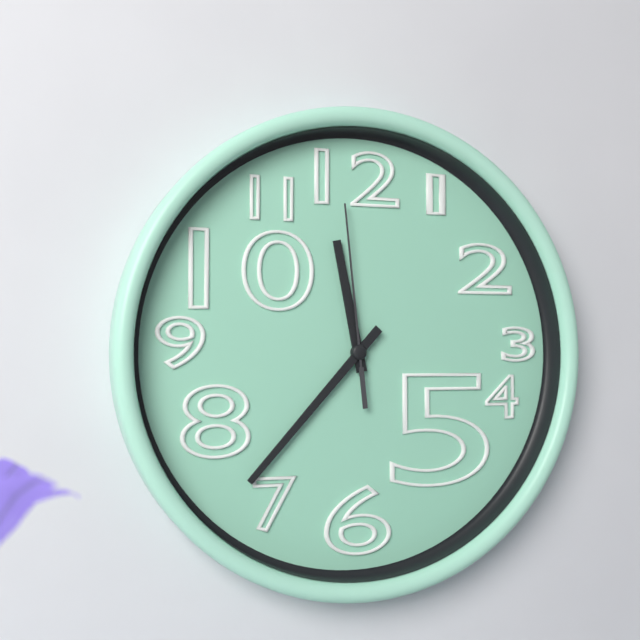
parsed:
11 h 37 min 59 s
